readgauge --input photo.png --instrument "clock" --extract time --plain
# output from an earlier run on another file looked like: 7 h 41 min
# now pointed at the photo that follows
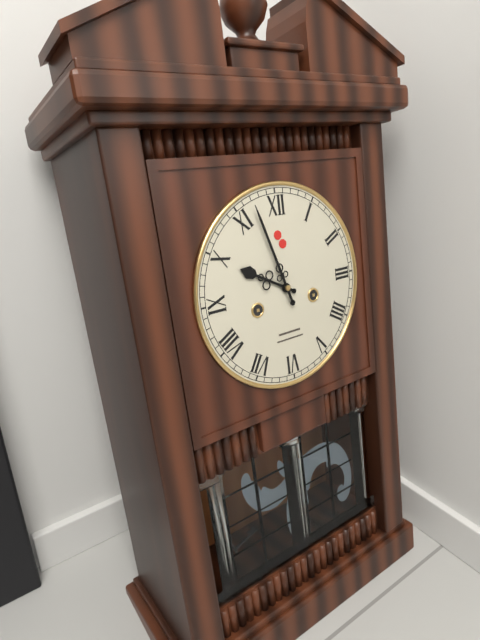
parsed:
9 h 57 min
